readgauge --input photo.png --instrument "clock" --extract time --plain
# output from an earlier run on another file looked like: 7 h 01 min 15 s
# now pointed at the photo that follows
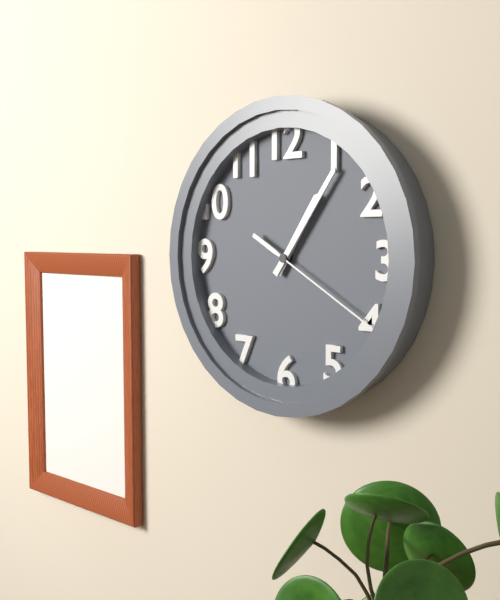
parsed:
1 h 06 min 20 s
